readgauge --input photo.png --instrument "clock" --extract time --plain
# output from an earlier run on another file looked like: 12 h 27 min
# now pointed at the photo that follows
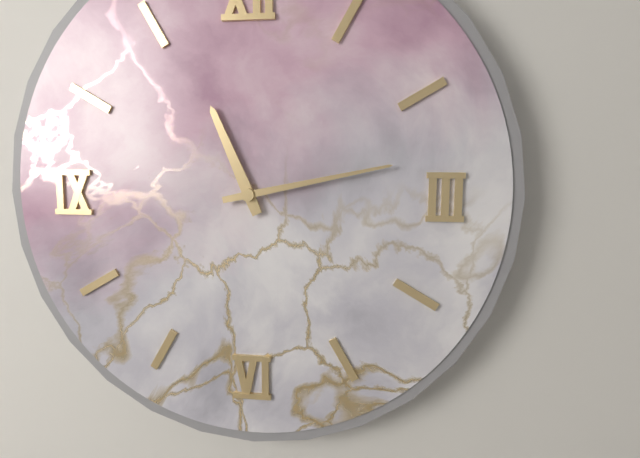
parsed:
11 h 13 min
